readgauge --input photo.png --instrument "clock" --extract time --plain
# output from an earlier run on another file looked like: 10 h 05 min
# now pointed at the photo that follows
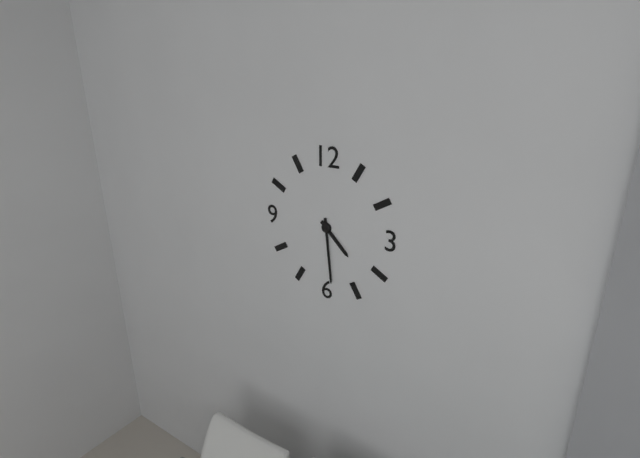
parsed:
4 h 29 min
